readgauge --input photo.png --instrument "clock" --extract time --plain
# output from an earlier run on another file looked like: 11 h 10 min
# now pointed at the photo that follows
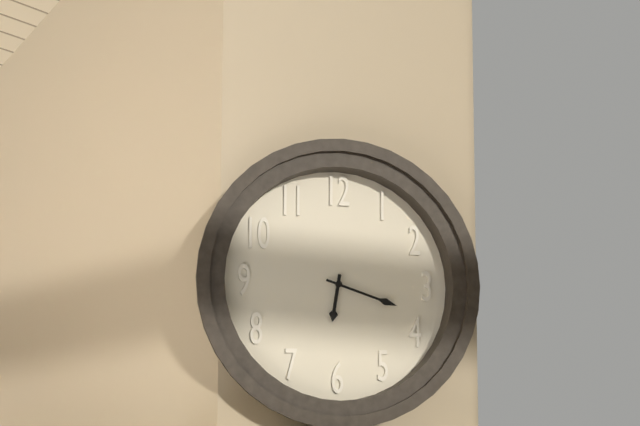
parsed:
6 h 18 min
